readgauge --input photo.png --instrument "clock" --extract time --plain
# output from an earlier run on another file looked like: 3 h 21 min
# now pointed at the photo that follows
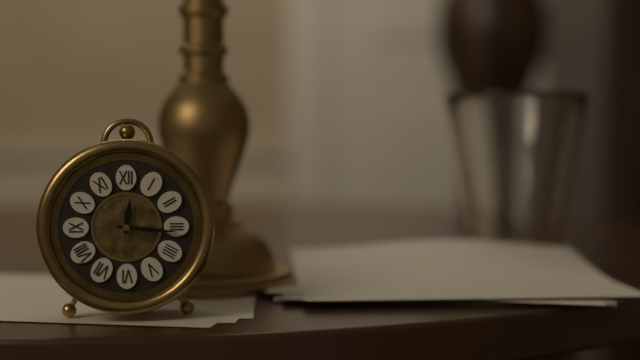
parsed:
12 h 16 min
